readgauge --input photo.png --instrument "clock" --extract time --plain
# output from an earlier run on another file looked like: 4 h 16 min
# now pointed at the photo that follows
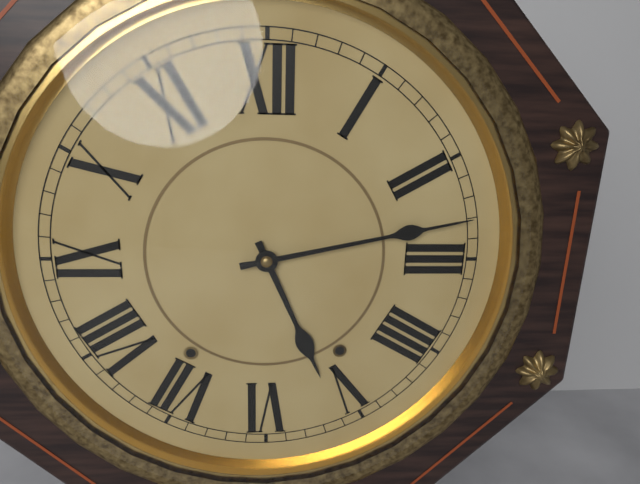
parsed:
5 h 13 min
